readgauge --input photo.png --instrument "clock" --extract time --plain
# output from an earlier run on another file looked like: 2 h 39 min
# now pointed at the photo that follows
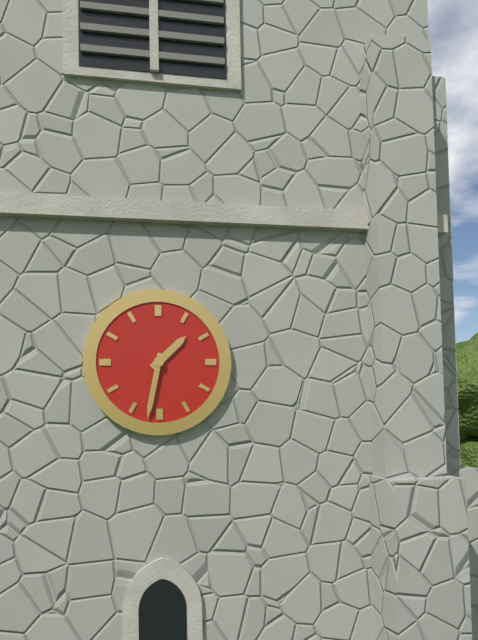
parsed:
1 h 32 min
